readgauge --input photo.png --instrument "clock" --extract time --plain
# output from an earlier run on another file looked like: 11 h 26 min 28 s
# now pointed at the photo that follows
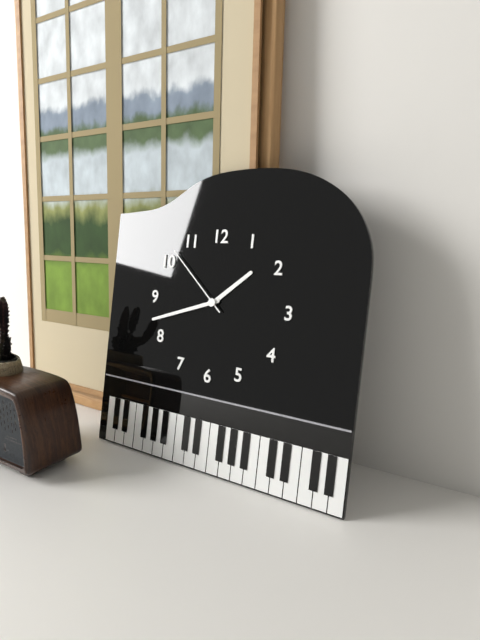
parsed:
1 h 42 min 52 s
